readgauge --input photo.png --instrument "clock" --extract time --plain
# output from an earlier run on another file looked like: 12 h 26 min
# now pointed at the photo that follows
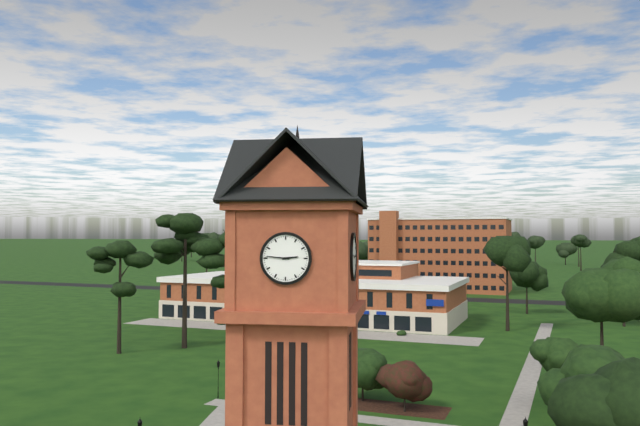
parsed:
2 h 46 min
